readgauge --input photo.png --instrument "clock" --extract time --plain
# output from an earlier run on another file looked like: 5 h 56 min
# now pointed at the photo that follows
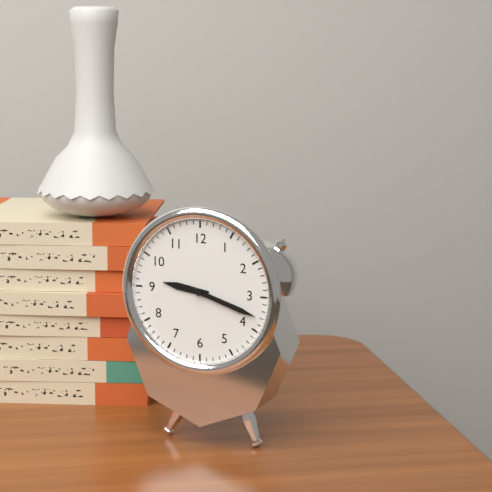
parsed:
9 h 18 min
